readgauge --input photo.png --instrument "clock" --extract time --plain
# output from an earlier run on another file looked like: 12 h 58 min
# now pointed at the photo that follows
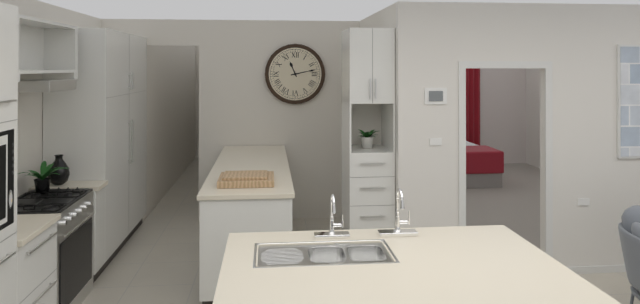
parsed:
11 h 13 min
